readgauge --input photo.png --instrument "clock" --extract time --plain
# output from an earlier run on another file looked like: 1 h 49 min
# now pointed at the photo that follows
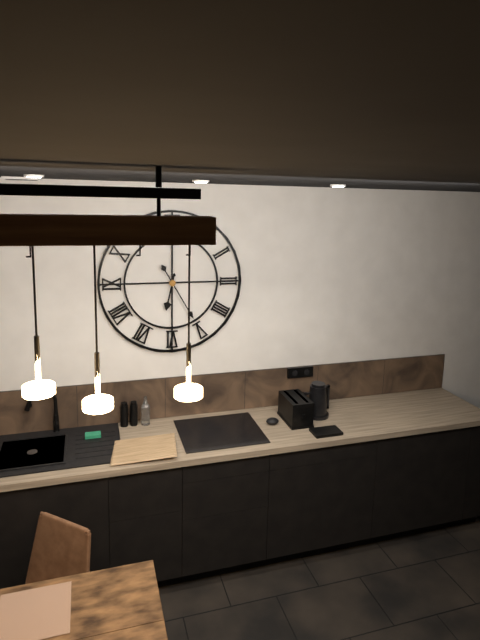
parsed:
6 h 25 min
